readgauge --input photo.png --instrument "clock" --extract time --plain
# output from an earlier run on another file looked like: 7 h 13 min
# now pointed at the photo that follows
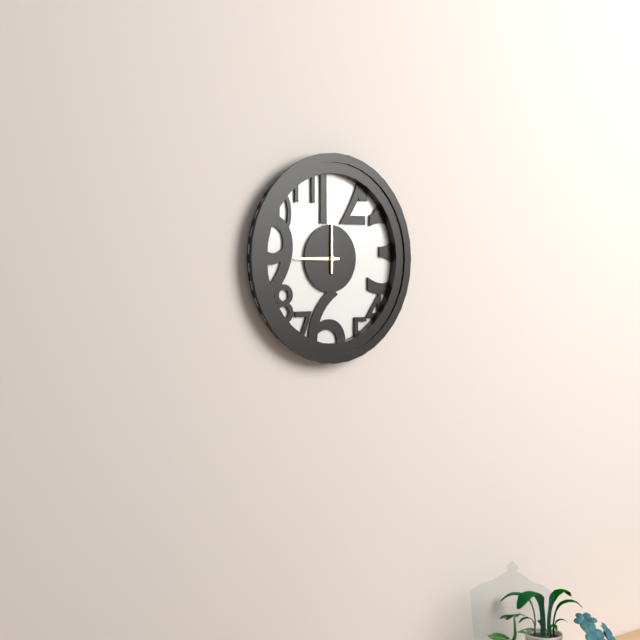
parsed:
9 h 00 min
